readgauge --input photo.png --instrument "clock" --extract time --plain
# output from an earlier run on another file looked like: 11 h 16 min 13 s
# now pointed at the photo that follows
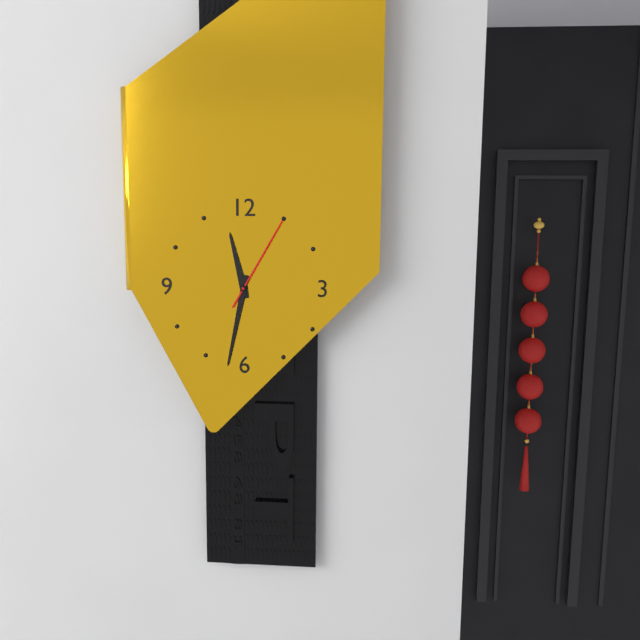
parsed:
11 h 32 min 05 s
